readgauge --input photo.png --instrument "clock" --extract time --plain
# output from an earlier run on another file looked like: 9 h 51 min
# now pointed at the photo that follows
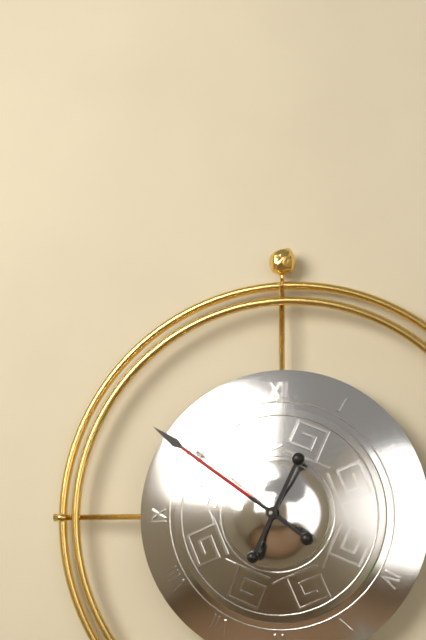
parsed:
12 h 51 min
